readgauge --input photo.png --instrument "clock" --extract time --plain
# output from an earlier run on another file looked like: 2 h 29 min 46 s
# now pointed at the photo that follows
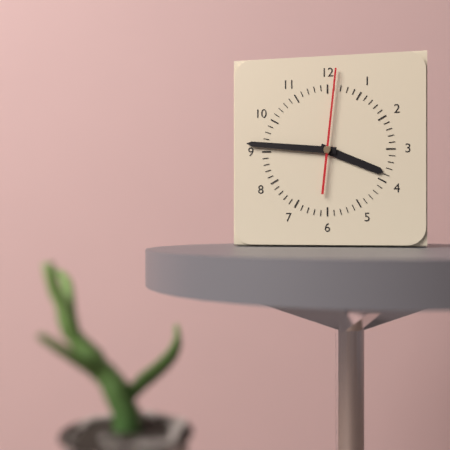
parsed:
3 h 46 min 01 s
